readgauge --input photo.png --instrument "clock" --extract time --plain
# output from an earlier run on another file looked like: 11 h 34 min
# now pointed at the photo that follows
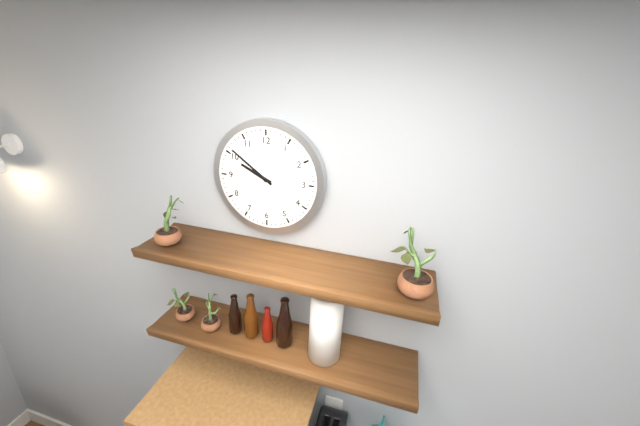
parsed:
9 h 51 min
